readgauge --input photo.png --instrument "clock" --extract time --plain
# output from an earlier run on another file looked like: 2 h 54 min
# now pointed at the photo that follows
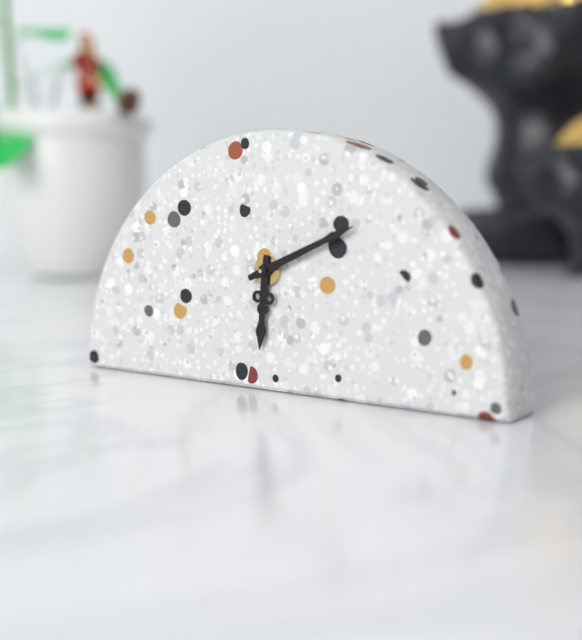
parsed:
6 h 11 min
